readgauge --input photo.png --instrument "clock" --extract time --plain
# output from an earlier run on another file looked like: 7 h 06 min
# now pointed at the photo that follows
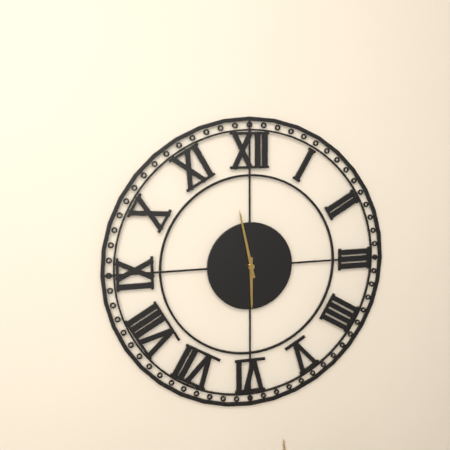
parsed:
5 h 58 min
